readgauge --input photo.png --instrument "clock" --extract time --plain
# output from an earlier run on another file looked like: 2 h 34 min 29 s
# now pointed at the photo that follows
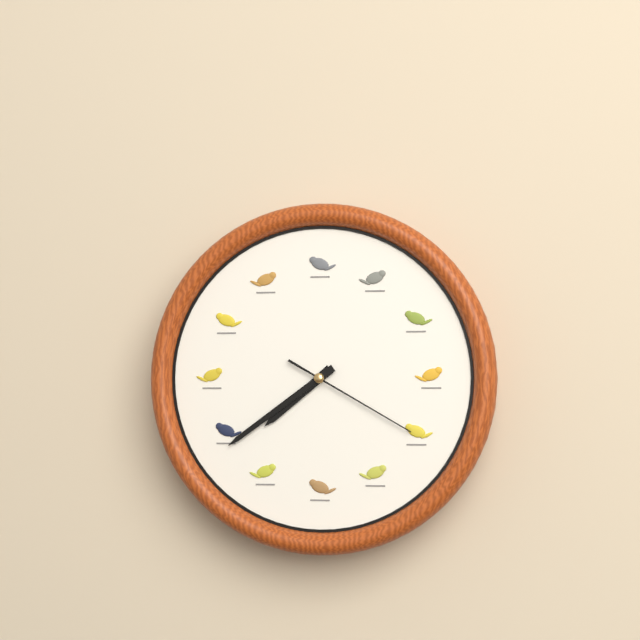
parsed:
7 h 39 min 20 s
